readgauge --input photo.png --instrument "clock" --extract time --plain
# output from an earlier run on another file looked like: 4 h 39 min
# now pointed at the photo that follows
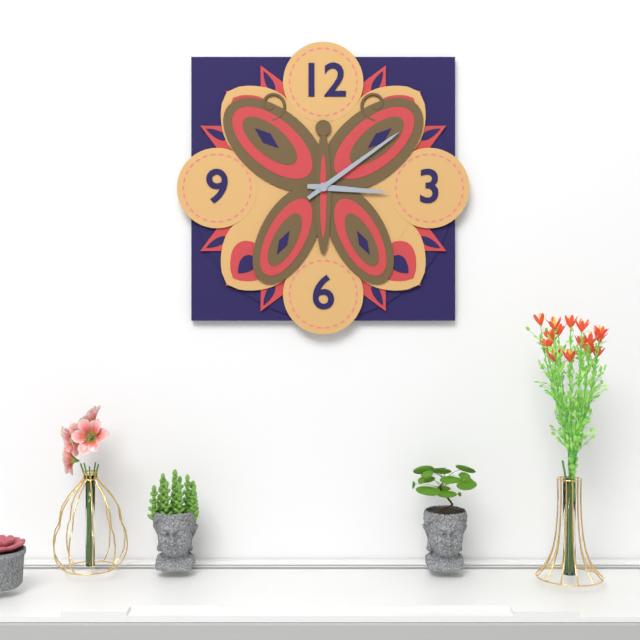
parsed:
3 h 09 min
